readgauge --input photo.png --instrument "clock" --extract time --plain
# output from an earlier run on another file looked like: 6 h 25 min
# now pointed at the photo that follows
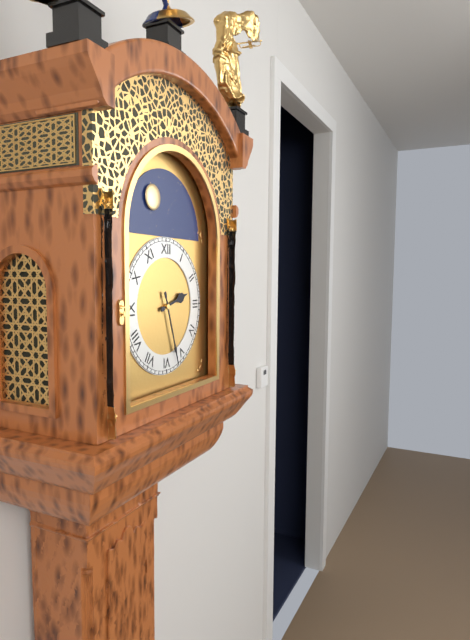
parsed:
2 h 27 min
